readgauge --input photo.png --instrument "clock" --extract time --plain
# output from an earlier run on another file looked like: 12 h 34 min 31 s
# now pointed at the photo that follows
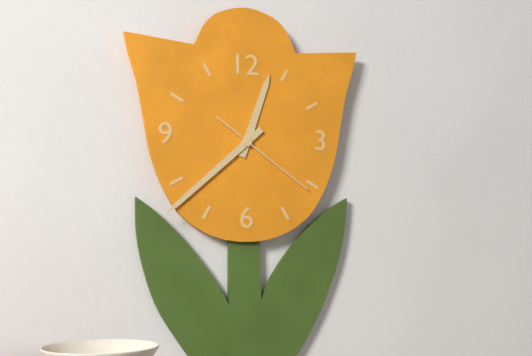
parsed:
12 h 38 min 21 s
